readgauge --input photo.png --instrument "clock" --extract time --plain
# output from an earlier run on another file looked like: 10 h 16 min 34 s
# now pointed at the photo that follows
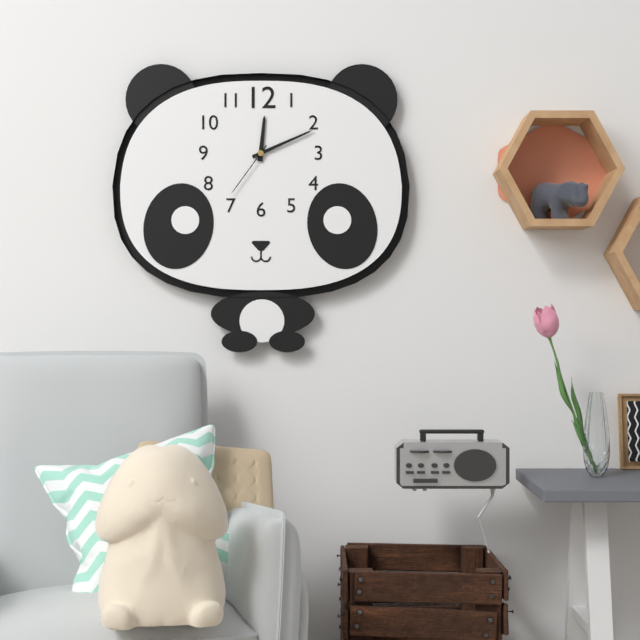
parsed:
12 h 11 min 36 s
